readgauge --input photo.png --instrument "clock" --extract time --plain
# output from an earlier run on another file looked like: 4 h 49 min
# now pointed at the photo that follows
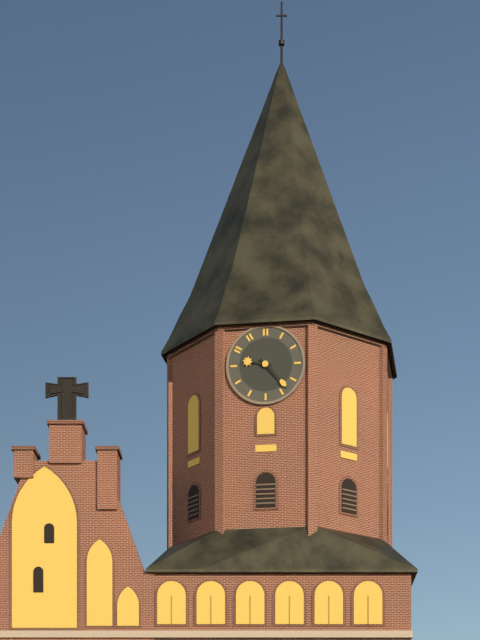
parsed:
9 h 23 min
